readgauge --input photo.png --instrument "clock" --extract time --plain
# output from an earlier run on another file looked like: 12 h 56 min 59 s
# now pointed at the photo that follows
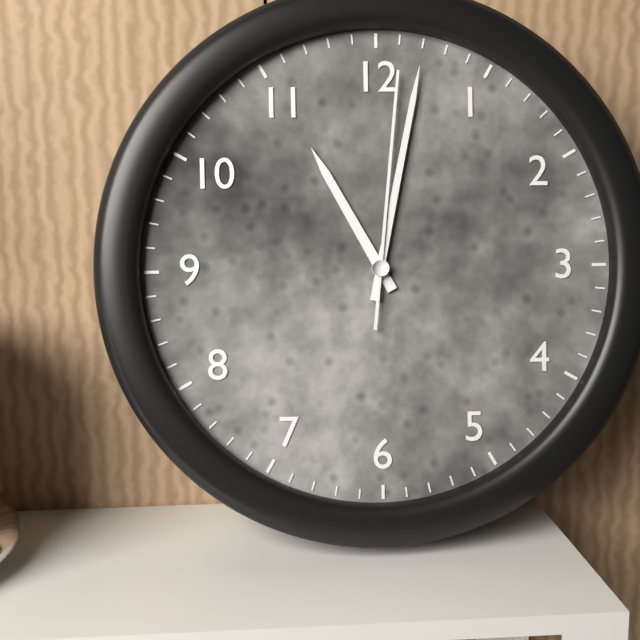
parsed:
11 h 02 min 01 s
